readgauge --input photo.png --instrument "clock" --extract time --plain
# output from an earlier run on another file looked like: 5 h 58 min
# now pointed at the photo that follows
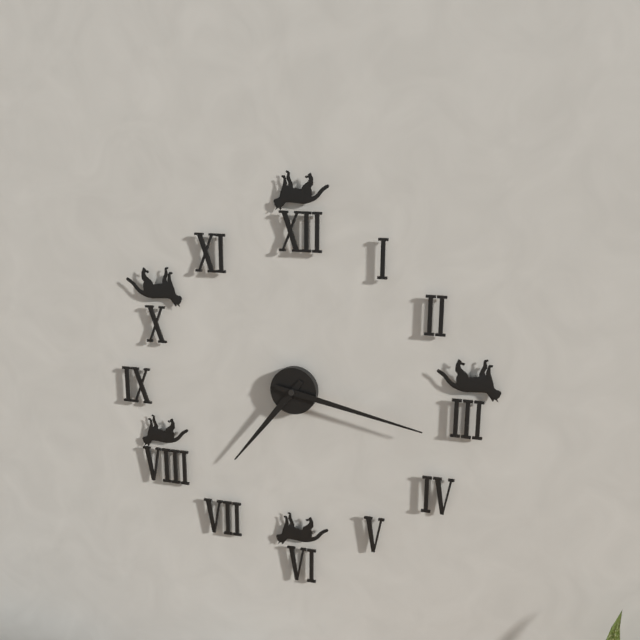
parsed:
7 h 17 min
